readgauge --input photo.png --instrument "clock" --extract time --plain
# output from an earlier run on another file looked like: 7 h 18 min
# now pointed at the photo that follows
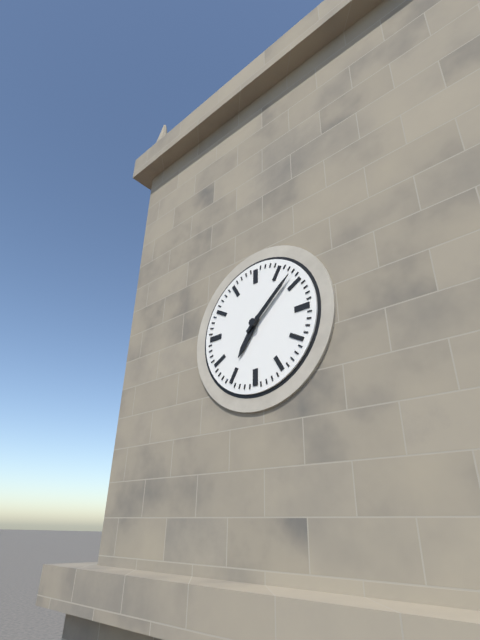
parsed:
7 h 08 min
